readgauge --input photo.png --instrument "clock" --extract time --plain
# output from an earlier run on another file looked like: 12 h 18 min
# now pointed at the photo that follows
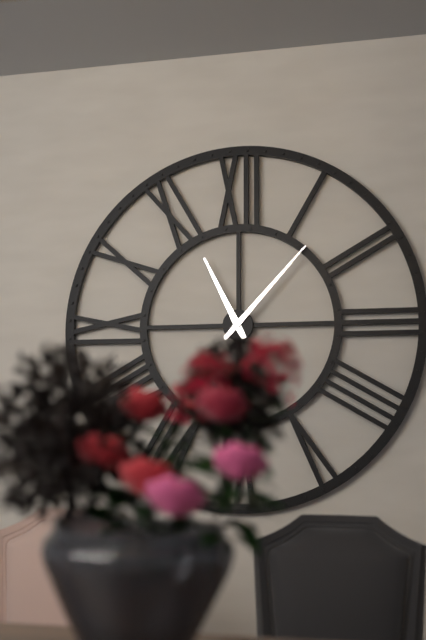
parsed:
11 h 07 min
